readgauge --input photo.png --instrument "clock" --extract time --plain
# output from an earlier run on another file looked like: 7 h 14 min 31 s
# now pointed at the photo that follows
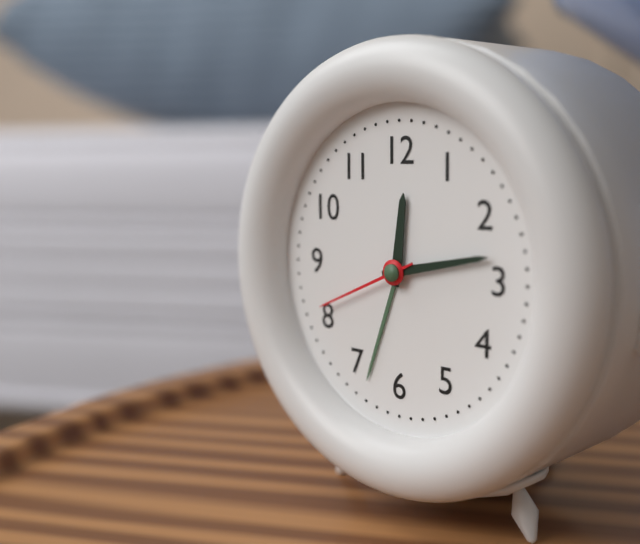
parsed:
12 h 13 min 41 s
